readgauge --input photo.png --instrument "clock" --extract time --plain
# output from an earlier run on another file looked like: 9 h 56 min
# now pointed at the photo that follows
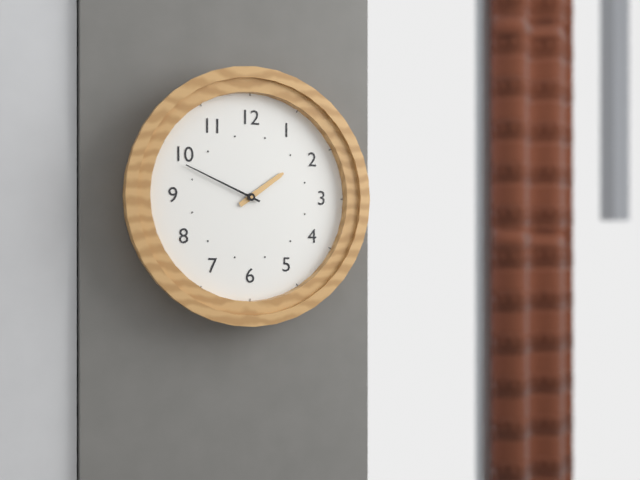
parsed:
1 h 49 min
